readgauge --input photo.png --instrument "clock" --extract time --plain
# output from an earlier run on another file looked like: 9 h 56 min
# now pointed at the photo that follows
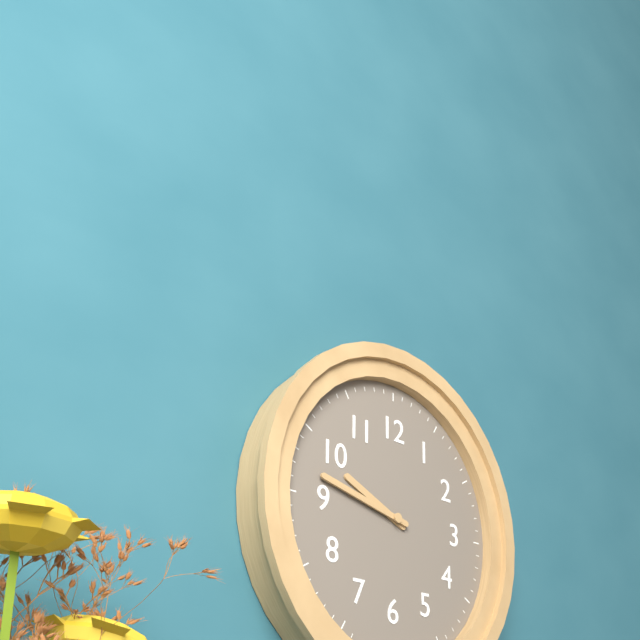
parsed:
9 h 47 min
